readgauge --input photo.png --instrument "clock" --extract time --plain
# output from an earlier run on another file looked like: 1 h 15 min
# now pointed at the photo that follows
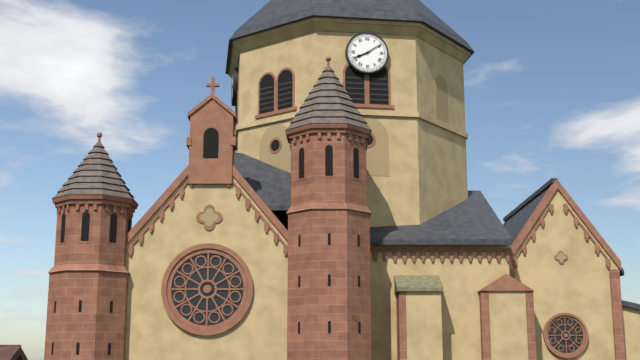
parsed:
8 h 09 min
